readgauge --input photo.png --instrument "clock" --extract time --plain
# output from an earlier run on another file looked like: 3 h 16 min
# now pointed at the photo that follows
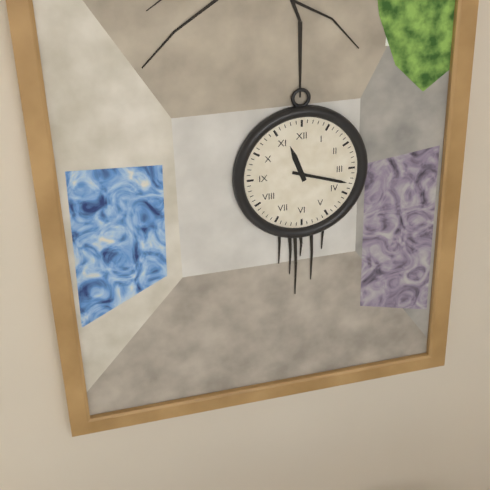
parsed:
11 h 18 min
